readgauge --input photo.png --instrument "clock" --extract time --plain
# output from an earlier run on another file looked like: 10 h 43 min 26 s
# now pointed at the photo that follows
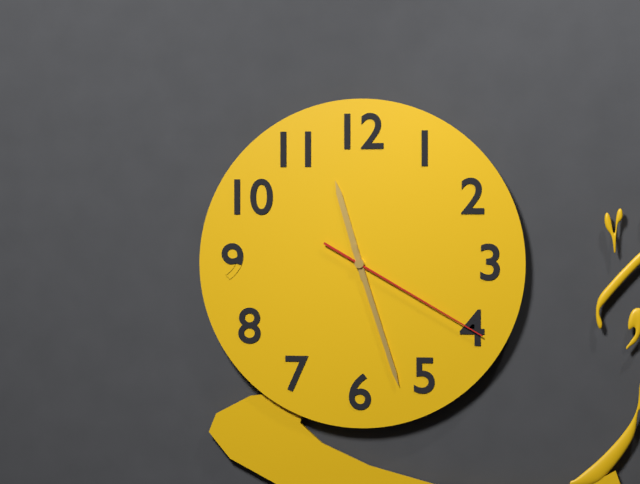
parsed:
11 h 27 min 20 s
